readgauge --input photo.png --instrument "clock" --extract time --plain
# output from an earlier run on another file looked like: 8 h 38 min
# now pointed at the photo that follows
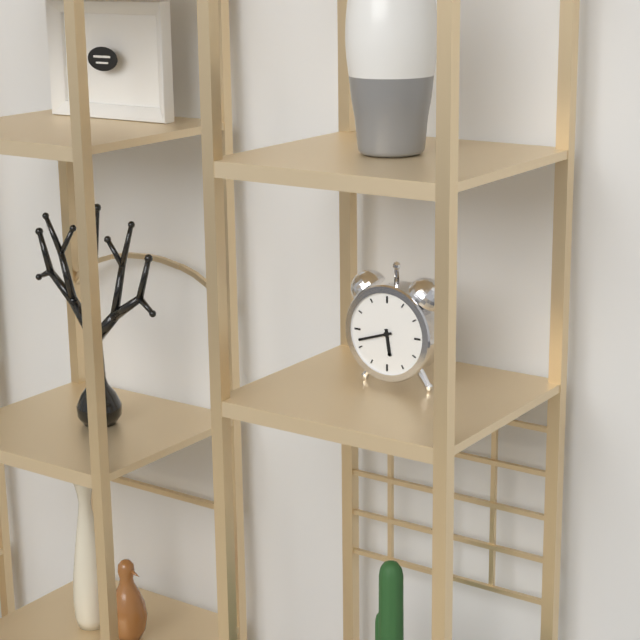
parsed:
5 h 42 min
